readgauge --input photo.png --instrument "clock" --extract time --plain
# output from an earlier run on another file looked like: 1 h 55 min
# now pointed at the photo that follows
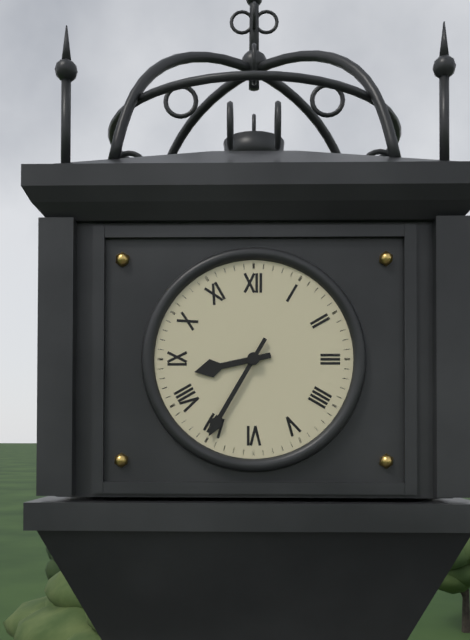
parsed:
8 h 35 min
